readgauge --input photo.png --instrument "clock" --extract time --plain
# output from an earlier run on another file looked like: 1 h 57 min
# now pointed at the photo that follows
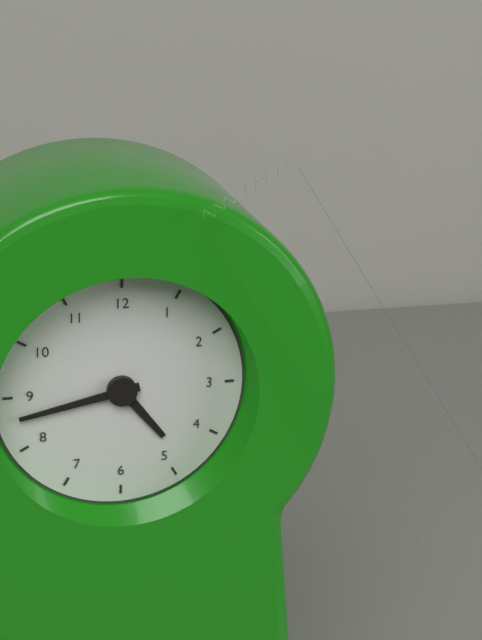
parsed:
4 h 43 min
